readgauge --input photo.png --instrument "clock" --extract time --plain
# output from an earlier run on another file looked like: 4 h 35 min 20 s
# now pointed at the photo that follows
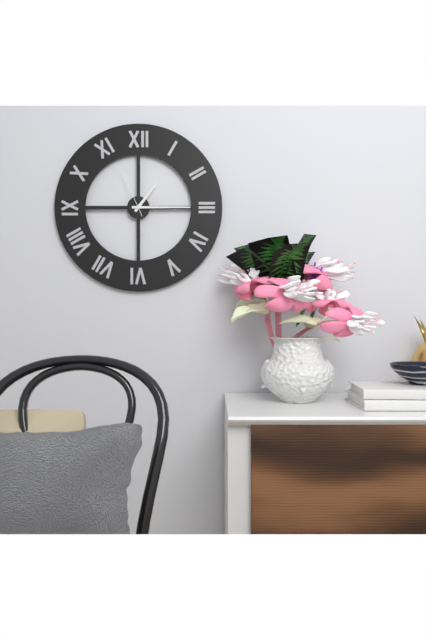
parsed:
1 h 15 min 56 s
